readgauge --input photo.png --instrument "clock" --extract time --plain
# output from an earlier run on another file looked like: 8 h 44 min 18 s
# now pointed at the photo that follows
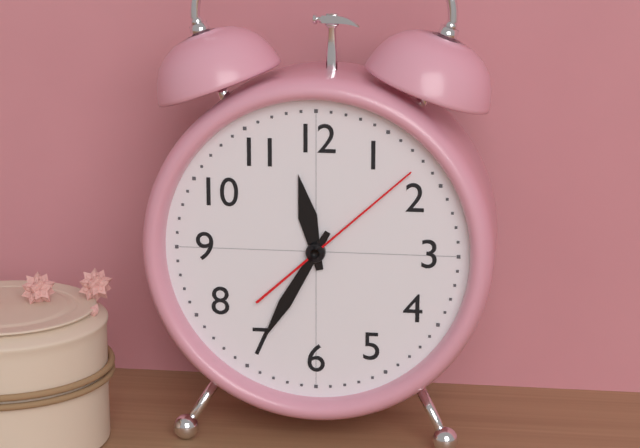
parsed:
11 h 35 min 08 s
